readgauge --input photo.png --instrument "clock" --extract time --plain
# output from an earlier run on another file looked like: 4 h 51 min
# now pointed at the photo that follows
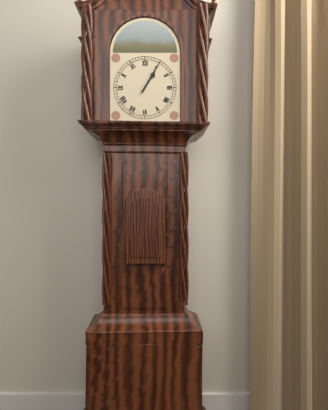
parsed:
1 h 05 min
